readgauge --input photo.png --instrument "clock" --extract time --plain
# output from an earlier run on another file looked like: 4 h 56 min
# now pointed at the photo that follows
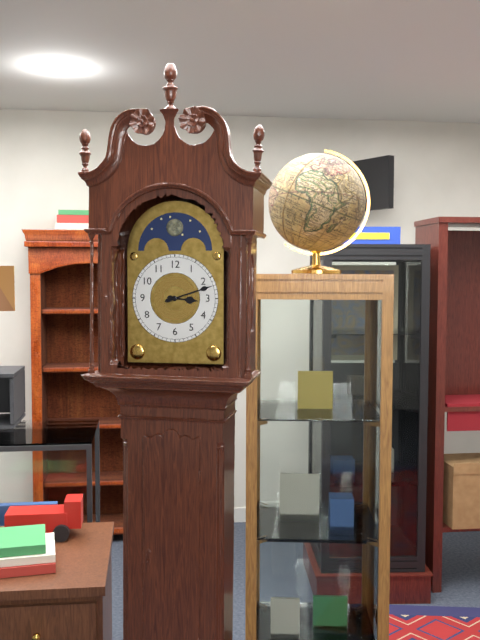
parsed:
3 h 12 min
